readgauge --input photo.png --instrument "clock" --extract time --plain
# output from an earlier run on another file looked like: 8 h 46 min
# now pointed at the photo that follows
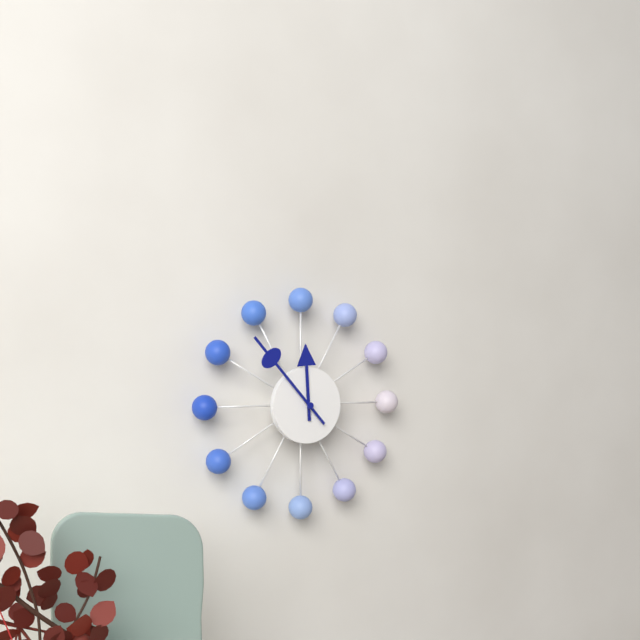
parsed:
11 h 53 min
